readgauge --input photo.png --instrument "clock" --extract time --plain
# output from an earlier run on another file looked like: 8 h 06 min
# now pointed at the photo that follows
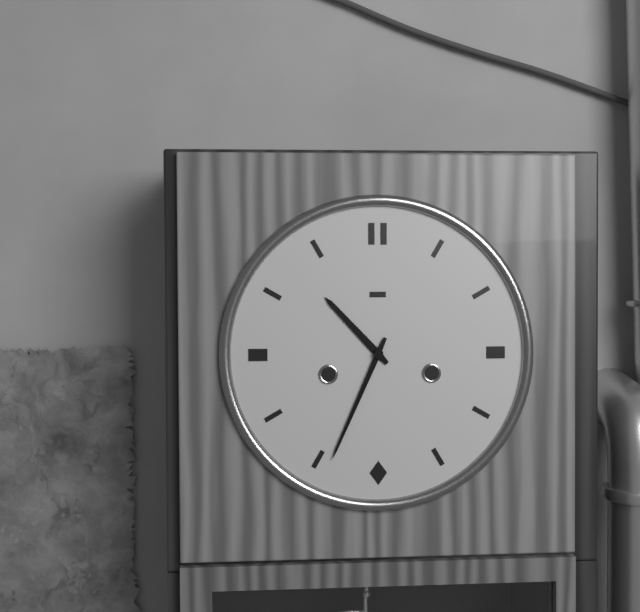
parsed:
10 h 34 min
